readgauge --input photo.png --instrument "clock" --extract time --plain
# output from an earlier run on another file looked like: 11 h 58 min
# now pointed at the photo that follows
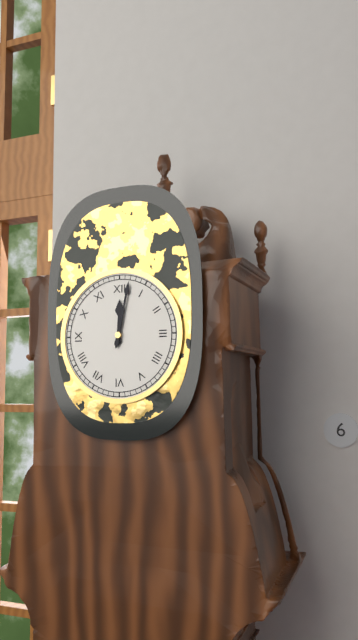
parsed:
12 h 02 min
